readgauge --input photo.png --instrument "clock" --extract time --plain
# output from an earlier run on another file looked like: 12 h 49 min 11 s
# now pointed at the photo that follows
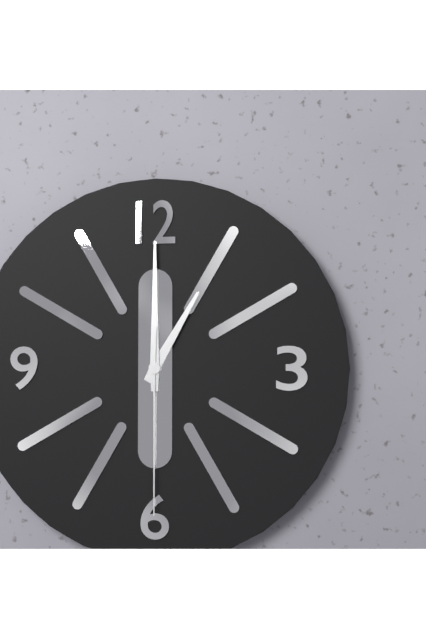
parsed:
1 h 00 min 30 s
